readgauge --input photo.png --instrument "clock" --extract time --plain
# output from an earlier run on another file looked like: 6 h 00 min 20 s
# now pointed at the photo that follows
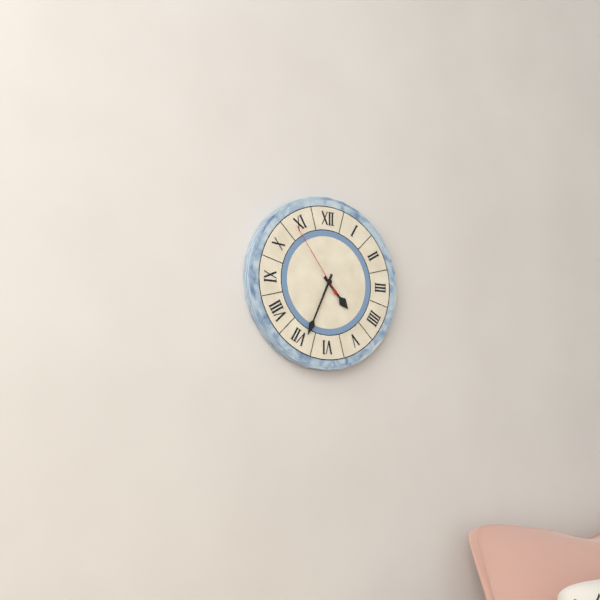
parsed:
4 h 34 min 54 s
